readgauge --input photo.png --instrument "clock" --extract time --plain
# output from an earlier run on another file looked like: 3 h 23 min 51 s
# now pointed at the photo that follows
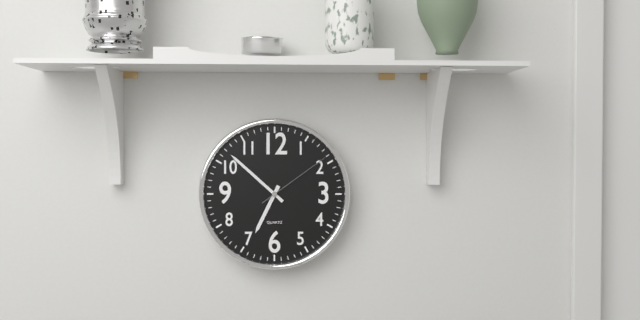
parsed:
6 h 52 min 09 s
